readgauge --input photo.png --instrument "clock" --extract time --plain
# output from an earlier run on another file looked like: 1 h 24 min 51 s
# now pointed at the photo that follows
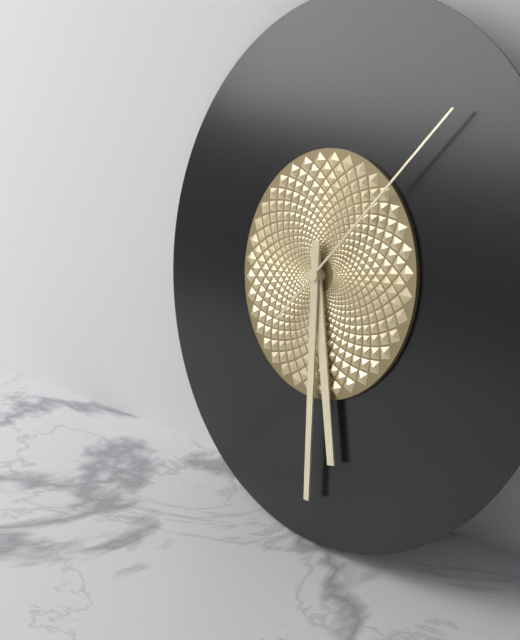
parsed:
5 h 29 min 07 s
